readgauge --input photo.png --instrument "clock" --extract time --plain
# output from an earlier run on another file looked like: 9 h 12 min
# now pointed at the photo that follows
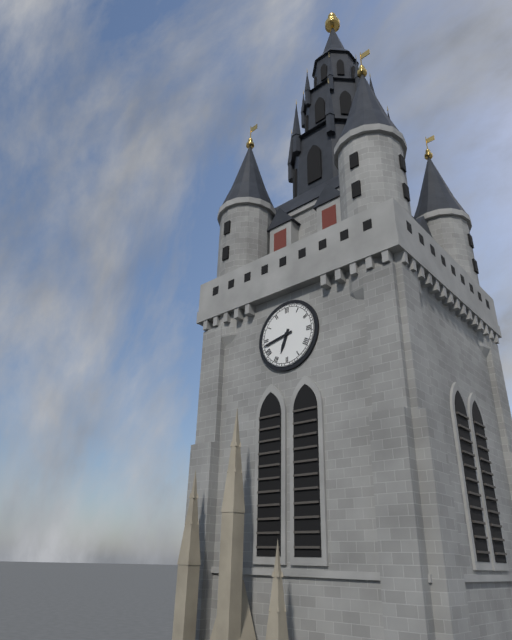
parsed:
6 h 43 min
